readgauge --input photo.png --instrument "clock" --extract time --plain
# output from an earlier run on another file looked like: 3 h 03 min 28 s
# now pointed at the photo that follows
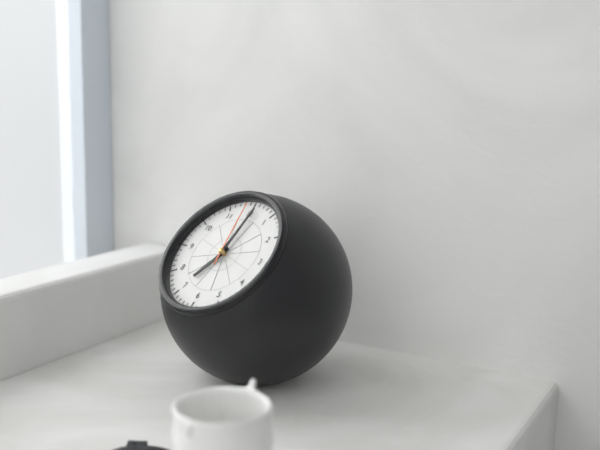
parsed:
7 h 01 min 59 s
